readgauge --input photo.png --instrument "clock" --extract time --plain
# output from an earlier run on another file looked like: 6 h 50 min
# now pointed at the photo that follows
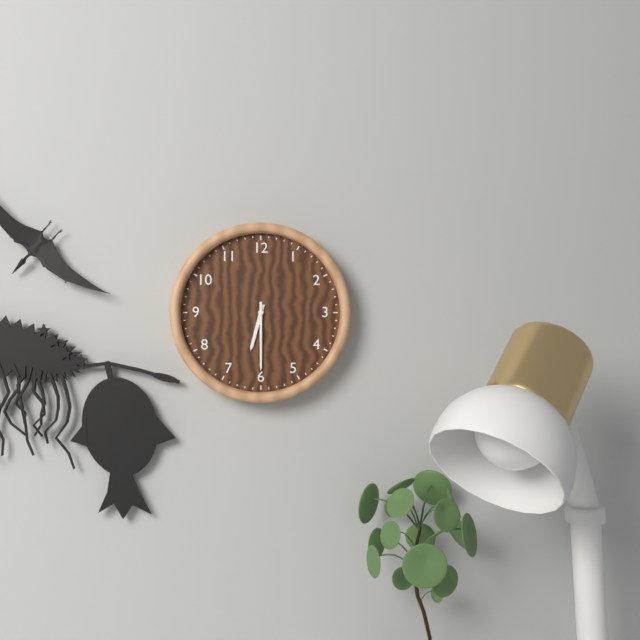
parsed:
6 h 30 min
